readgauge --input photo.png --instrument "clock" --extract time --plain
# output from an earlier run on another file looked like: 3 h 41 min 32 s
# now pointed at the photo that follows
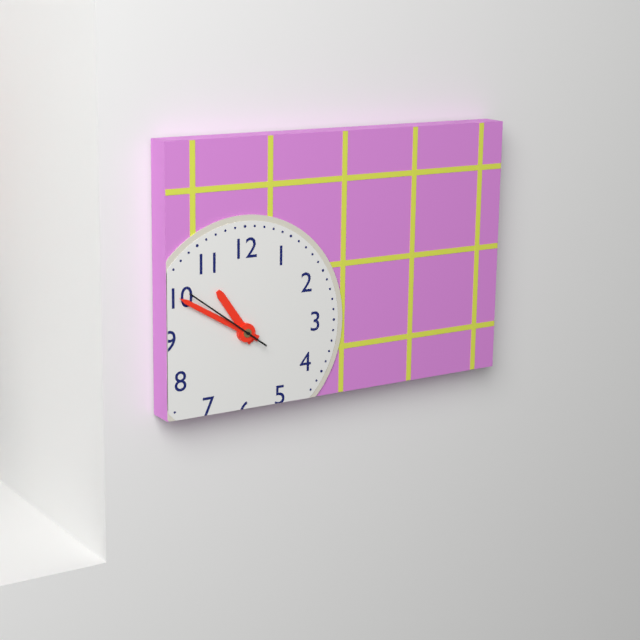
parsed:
10 h 50 min 51 s
